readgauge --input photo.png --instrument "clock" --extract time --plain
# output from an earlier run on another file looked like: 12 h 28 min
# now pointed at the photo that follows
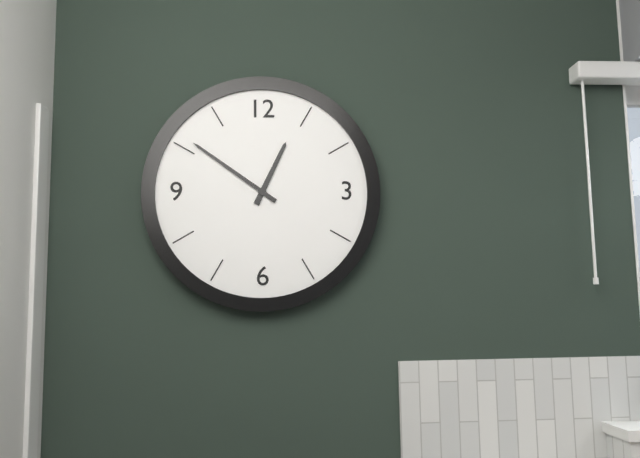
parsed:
12 h 51 min
